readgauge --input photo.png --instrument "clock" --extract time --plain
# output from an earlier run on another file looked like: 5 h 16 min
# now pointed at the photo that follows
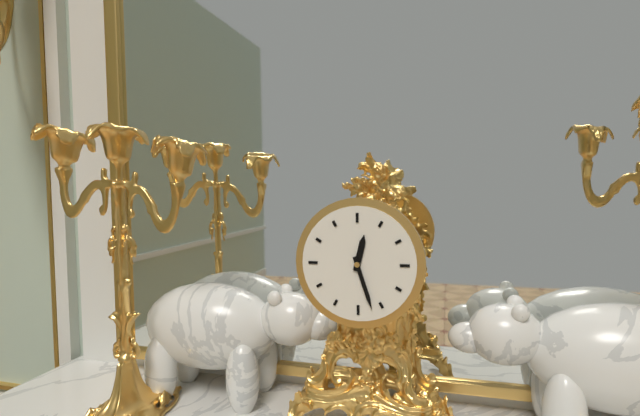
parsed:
12 h 27 min
